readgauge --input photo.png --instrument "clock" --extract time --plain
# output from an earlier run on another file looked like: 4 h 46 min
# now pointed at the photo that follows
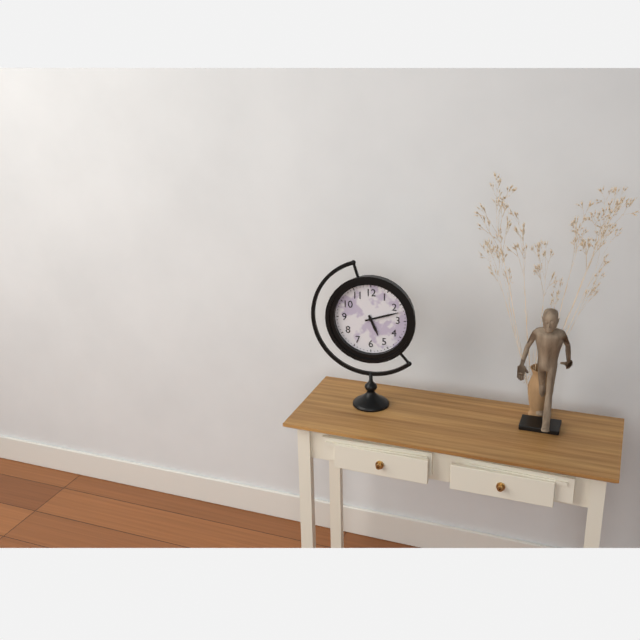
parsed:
5 h 12 min
